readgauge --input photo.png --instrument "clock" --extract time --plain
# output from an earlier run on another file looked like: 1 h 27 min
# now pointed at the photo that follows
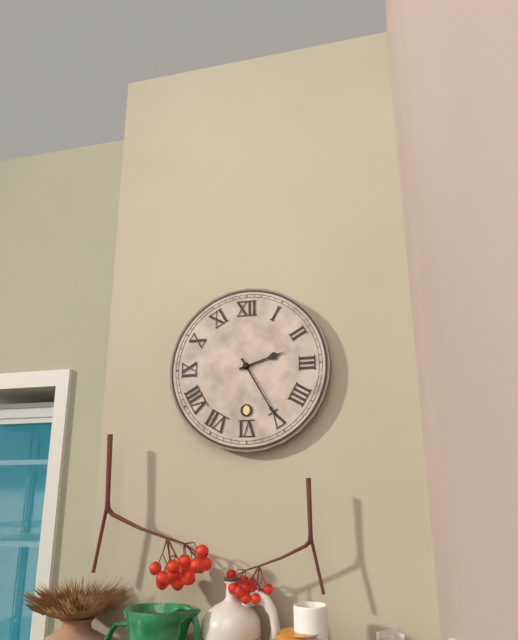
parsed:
2 h 25 min
